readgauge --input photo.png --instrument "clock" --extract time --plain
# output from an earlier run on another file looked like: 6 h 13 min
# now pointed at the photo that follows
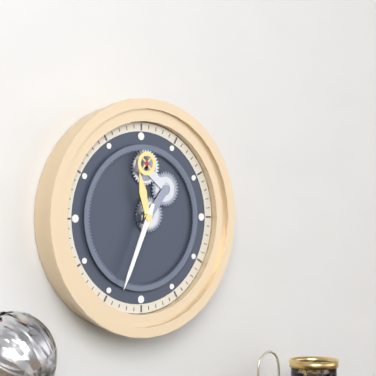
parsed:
11 h 34 min
